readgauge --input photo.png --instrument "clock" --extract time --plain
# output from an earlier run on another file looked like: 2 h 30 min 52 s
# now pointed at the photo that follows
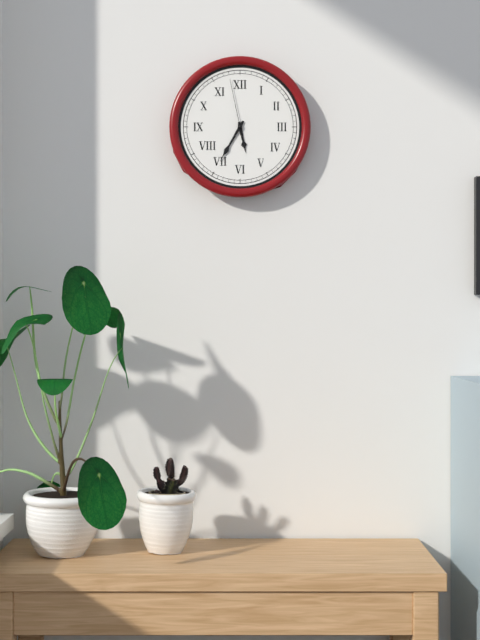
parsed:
5 h 35 min 58 s
